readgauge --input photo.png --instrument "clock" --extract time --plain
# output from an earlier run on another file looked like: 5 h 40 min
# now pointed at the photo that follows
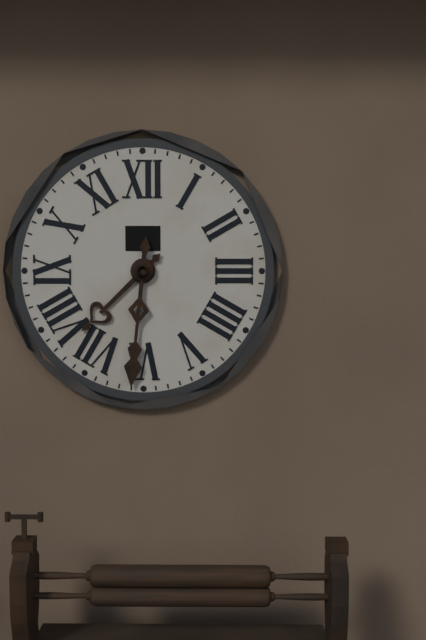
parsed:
7 h 31 min
